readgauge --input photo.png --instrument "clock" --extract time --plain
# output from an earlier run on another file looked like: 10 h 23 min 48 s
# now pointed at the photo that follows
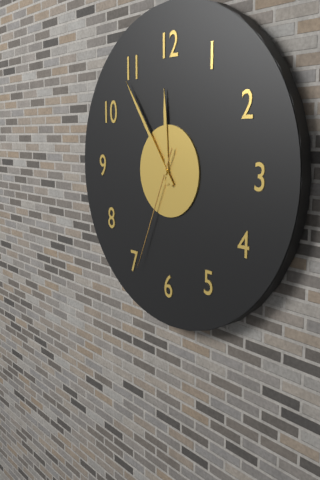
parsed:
11 h 54 min 34 s
